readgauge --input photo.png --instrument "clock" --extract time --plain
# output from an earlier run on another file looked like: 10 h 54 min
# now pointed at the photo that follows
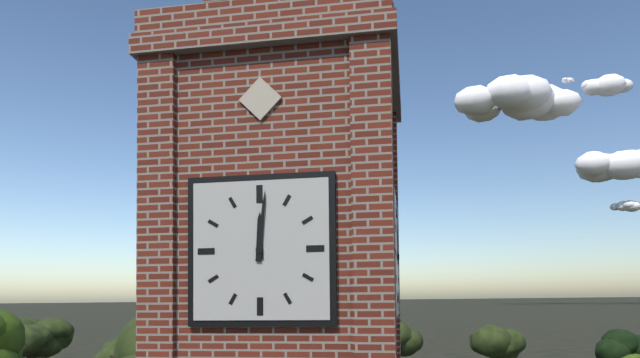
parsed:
12 h 01 min
